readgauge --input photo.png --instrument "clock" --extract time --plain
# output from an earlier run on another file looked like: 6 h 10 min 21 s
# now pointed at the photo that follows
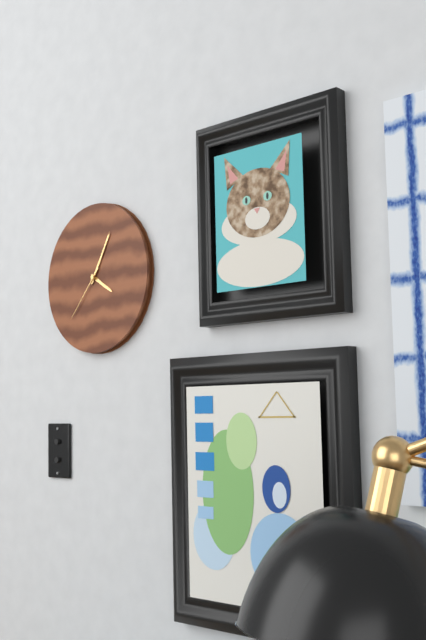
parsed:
4 h 05 min 37 s
